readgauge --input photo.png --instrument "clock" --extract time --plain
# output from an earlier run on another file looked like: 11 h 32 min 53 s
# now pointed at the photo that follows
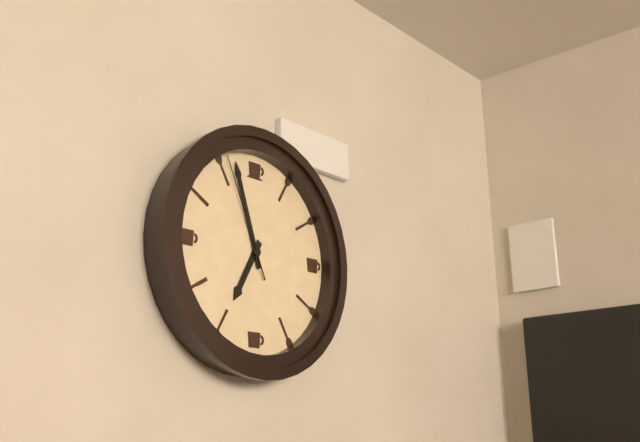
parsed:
6 h 57 min 56 s
